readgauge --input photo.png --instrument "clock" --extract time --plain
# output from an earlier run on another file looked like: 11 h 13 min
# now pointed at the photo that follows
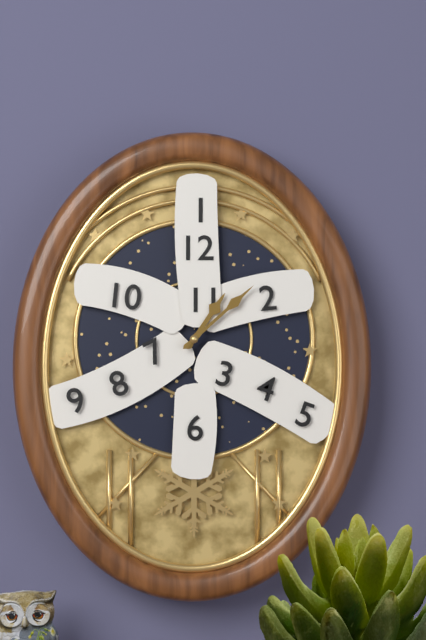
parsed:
1 h 08 min
